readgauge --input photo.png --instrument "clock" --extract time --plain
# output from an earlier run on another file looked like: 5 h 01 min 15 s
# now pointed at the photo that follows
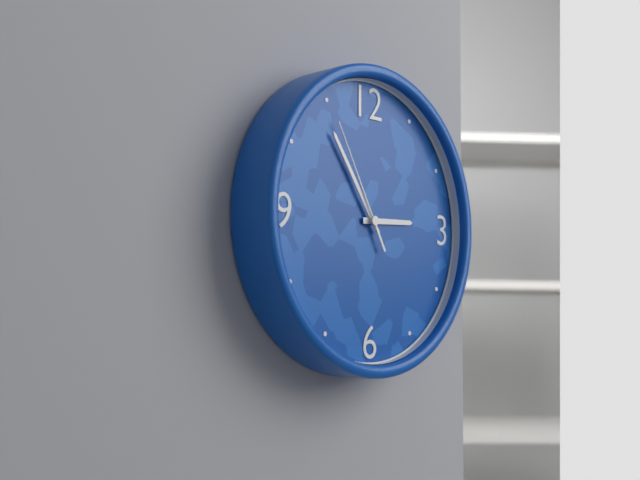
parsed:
2 h 54 min 55 s
